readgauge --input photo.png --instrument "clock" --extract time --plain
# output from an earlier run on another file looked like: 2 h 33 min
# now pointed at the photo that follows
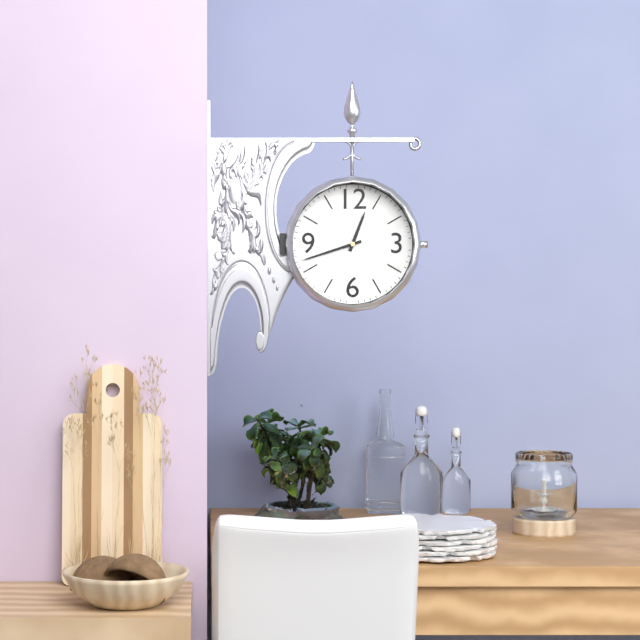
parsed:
12 h 42 min
